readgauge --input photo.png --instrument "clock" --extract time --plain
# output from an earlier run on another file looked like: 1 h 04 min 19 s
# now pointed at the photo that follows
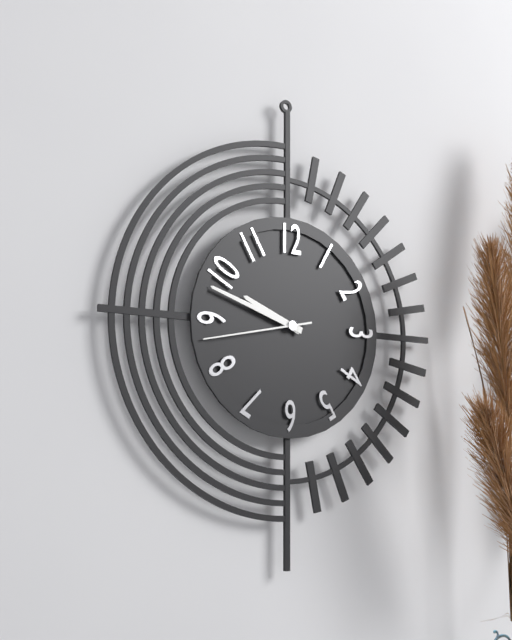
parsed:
9 h 48 min 43 s
